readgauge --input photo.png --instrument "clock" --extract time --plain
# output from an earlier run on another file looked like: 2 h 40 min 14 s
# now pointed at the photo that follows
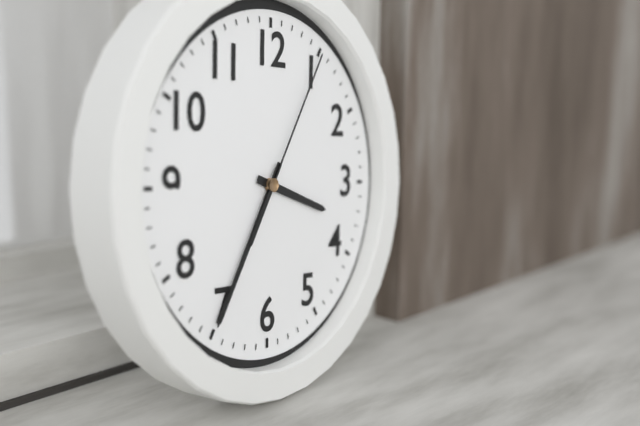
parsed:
3 h 35 min 05 s
